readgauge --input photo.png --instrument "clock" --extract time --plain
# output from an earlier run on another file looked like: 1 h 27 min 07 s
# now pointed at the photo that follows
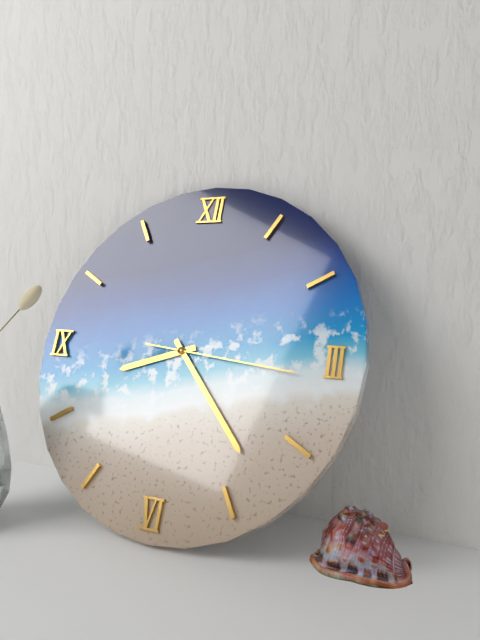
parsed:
8 h 23 min 16 s
